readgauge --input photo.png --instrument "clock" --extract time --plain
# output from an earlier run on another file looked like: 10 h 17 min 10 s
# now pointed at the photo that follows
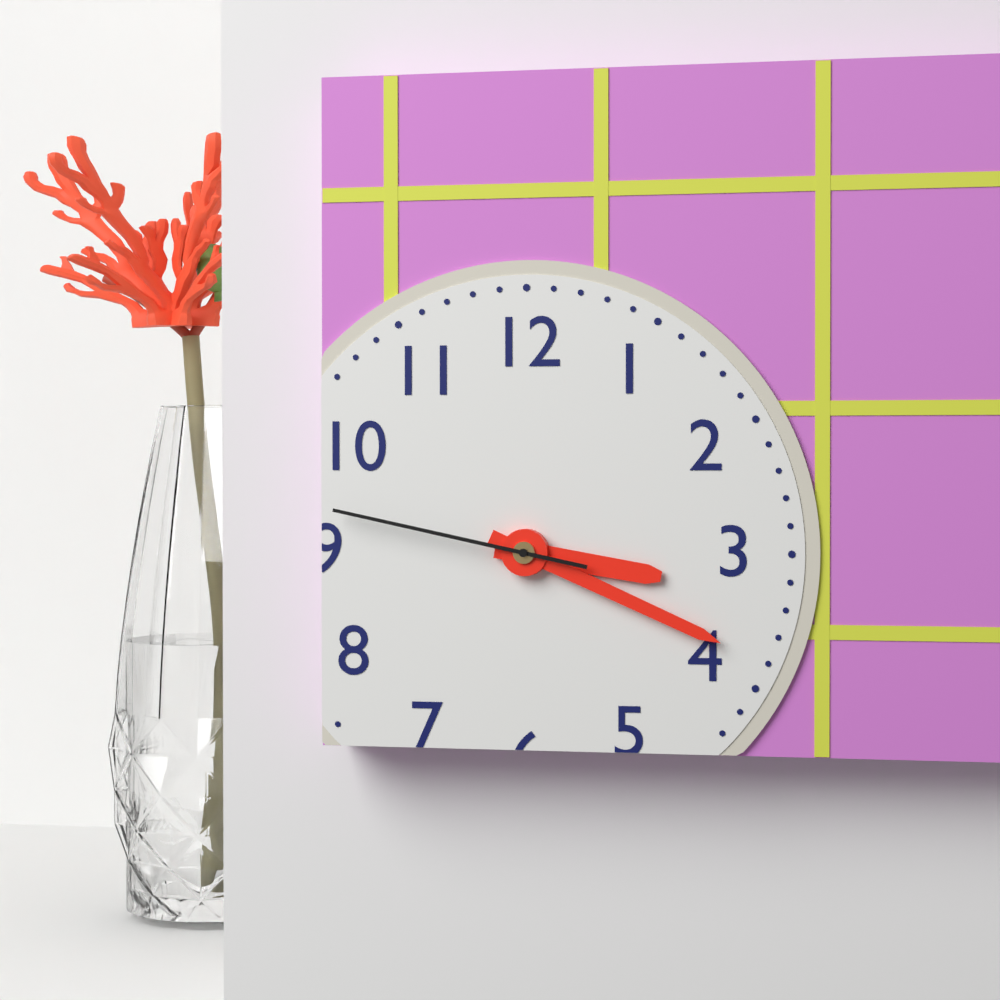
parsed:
3 h 19 min 47 s
